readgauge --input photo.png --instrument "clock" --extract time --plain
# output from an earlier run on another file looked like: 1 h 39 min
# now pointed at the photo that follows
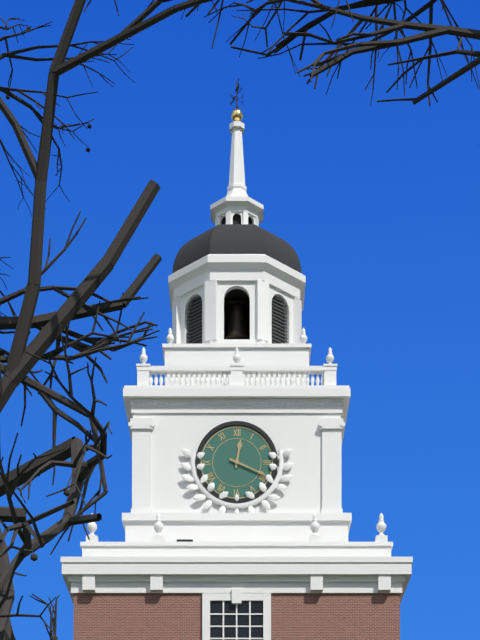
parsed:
12 h 19 min
